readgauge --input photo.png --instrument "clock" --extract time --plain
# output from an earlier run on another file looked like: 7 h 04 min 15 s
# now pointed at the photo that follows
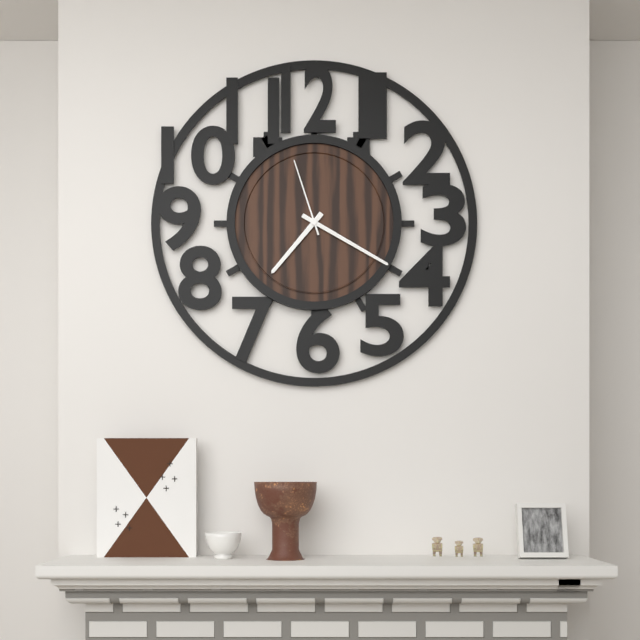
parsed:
7 h 20 min 57 s
